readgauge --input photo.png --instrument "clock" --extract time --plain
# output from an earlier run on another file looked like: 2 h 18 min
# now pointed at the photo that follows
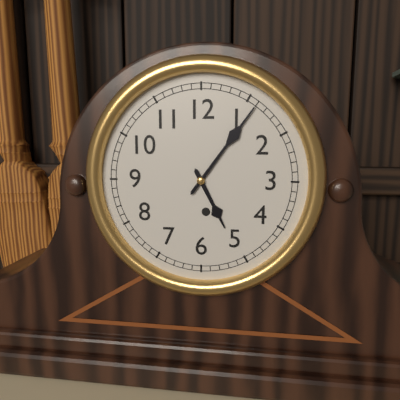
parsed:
5 h 06 min
